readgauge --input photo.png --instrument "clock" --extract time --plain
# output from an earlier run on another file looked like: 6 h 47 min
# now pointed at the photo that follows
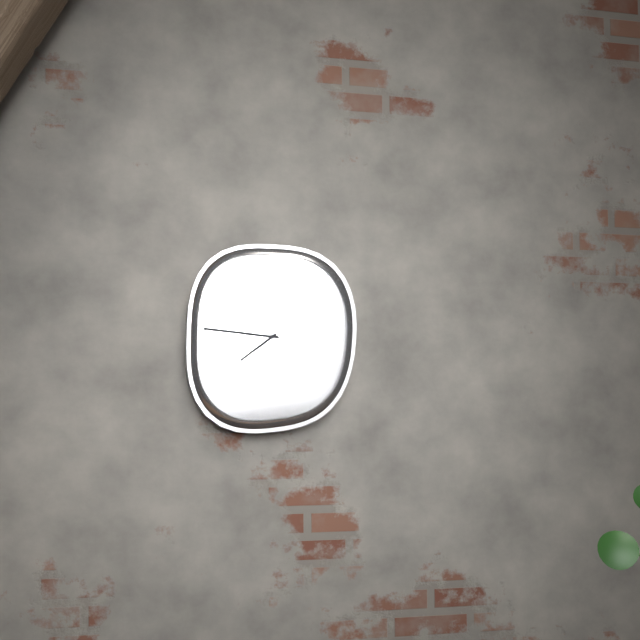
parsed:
7 h 46 min
